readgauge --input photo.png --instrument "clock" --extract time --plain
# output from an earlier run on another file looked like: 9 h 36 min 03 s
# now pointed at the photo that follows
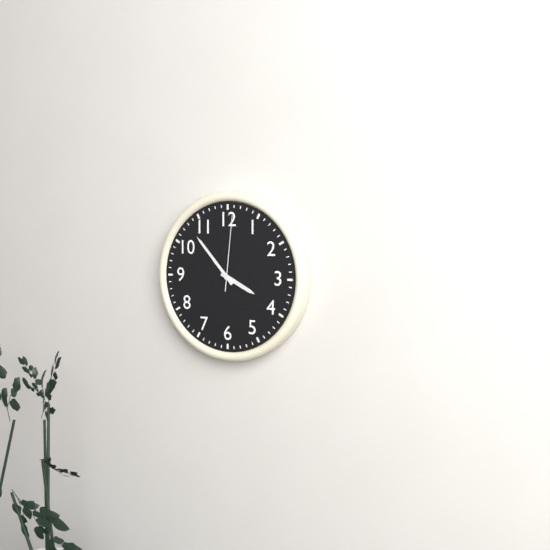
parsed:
3 h 53 min 01 s
